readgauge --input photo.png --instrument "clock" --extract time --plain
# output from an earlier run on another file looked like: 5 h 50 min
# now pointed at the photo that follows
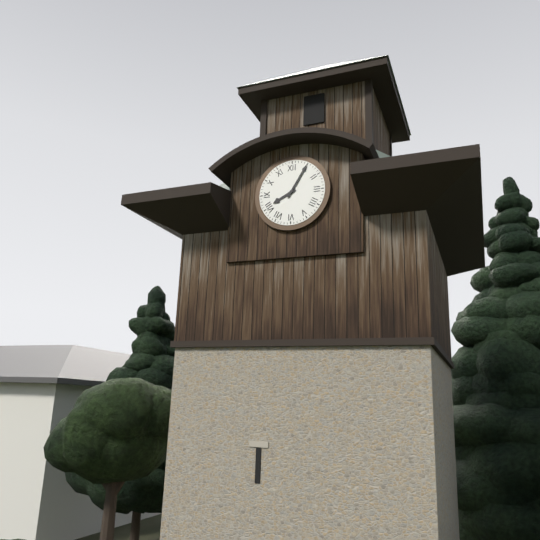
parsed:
8 h 05 min
